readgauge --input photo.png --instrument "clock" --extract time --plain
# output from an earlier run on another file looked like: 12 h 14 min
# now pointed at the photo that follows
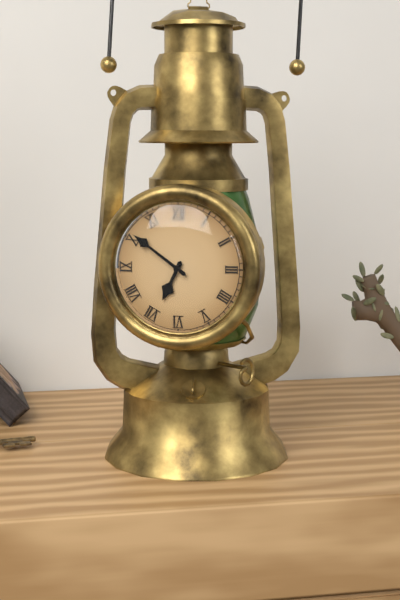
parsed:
6 h 51 min
